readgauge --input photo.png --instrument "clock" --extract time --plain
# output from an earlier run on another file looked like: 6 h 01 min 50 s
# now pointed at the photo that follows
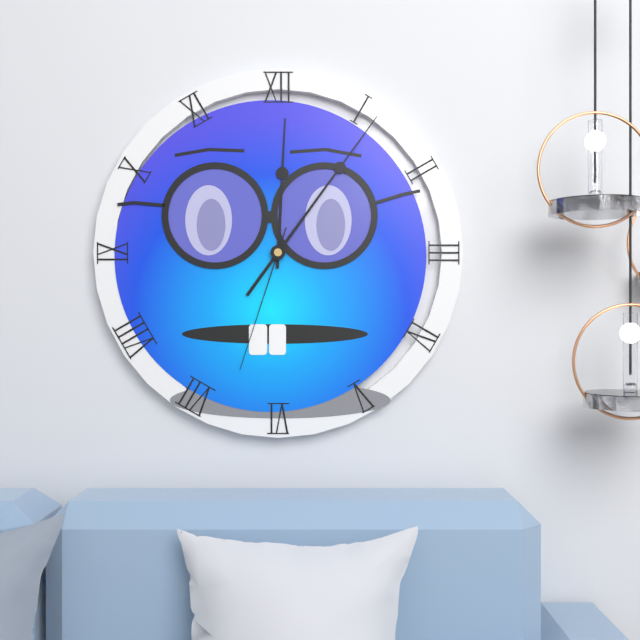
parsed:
12 h 06 min 33 s
